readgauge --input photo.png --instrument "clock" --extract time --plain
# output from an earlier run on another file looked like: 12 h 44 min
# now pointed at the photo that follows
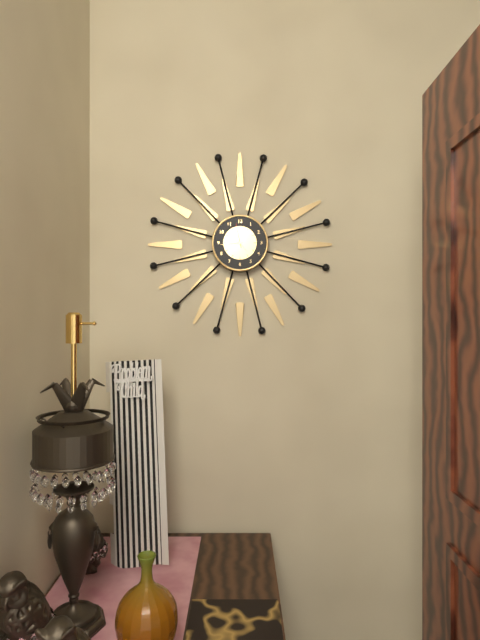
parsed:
4 h 44 min
